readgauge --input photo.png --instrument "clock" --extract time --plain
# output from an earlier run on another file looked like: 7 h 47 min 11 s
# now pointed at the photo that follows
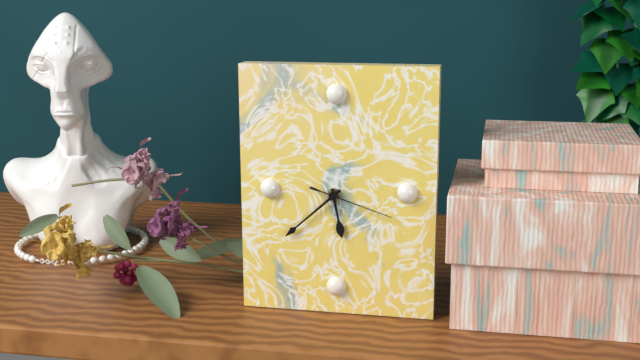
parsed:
5 h 38 min 18 s
